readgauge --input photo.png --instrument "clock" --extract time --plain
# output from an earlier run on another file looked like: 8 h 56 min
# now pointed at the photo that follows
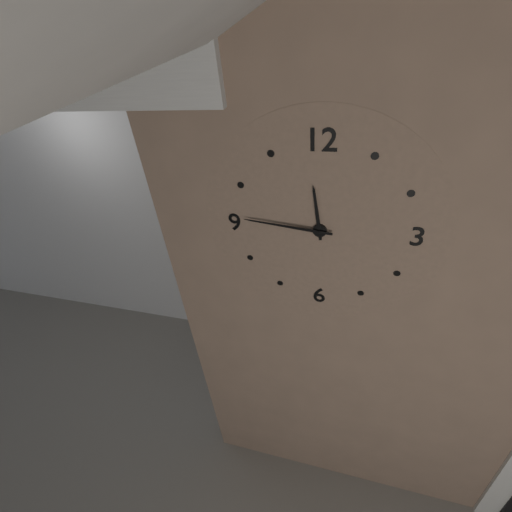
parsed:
11 h 46 min
